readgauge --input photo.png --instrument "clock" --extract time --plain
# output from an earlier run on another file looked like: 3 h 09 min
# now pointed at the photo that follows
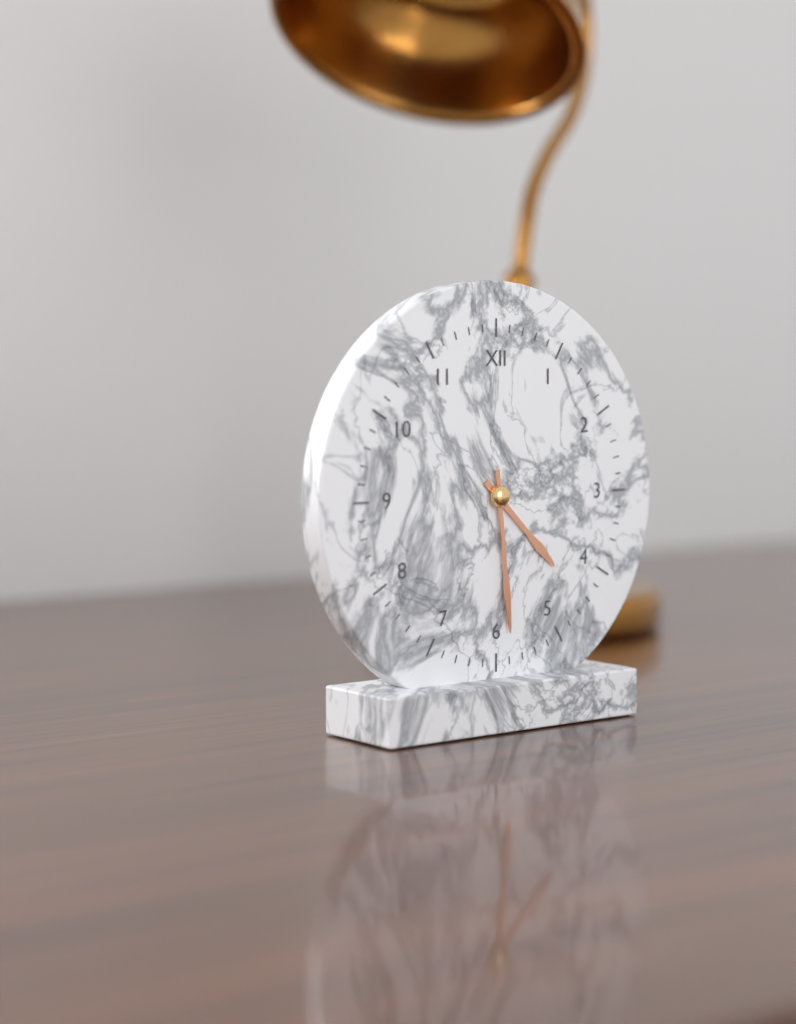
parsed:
4 h 29 min
